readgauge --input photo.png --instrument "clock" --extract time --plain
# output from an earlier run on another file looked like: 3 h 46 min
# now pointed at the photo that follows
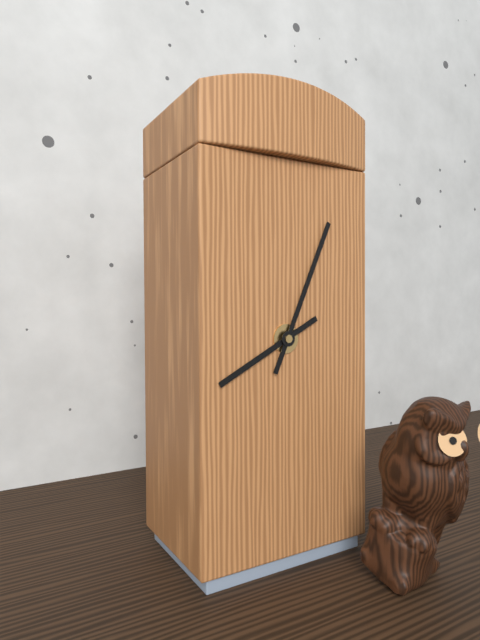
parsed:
8 h 04 min
